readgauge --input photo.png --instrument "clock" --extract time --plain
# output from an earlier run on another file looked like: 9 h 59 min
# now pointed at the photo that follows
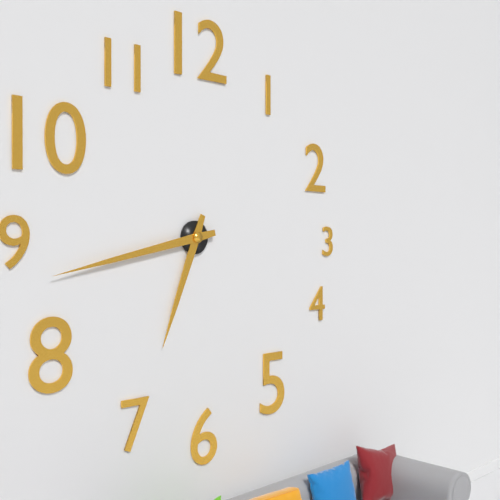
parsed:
6 h 43 min
